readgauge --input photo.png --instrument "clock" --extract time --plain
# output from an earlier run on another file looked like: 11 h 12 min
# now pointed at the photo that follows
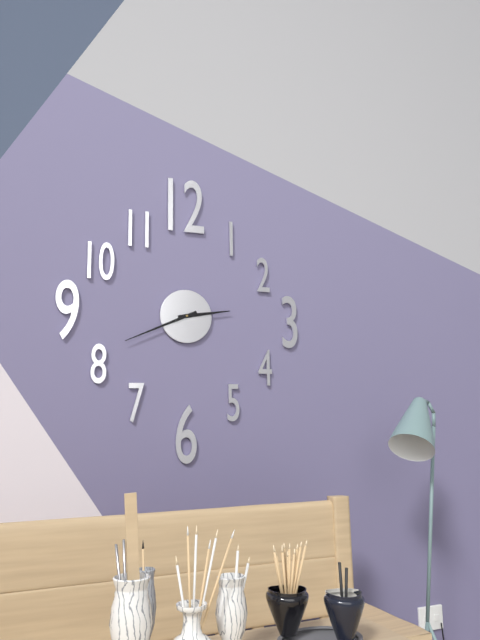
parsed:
2 h 41 min
